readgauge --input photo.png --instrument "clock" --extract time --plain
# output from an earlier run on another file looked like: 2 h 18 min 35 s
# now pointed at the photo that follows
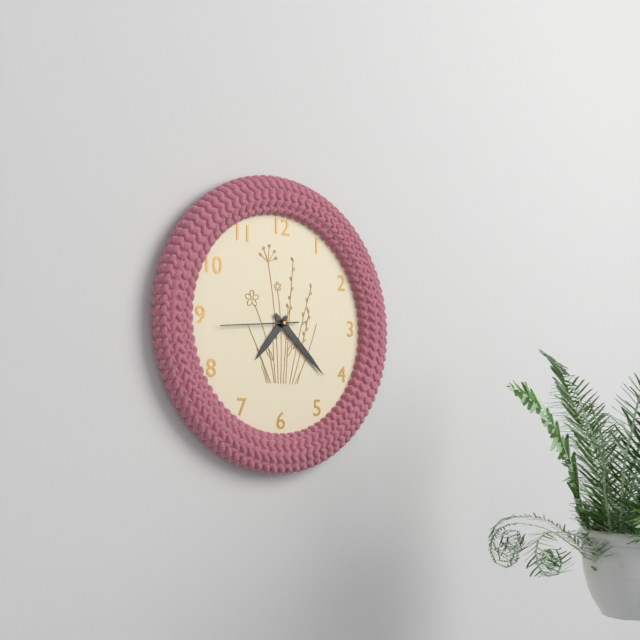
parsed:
7 h 22 min 44 s
